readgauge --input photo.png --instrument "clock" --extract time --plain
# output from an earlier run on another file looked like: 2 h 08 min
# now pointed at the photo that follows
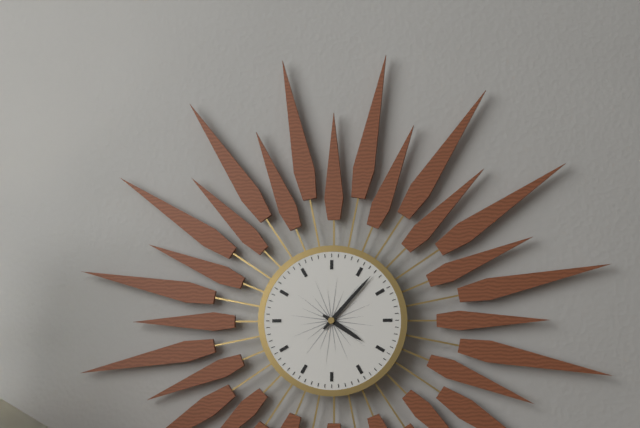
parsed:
4 h 07 min
